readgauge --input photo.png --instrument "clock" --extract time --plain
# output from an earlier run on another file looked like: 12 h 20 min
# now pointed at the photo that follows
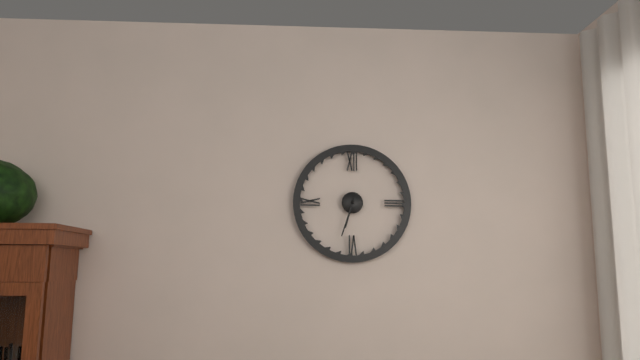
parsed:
6 h 33 min
